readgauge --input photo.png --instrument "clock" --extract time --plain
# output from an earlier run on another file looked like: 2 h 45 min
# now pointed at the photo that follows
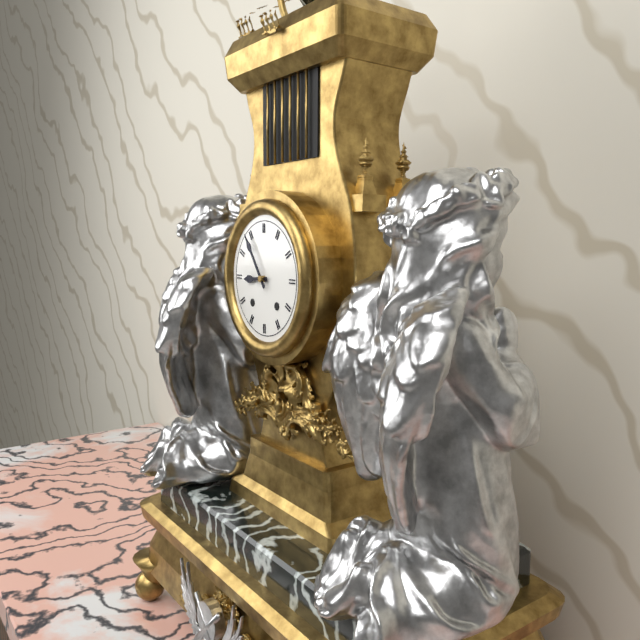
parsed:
8 h 54 min
